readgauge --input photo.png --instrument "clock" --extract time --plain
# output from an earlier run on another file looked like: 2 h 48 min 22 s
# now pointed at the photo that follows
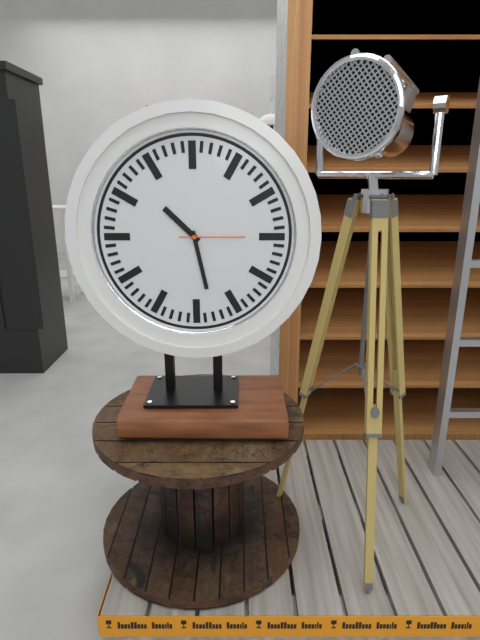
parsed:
10 h 28 min 15 s
